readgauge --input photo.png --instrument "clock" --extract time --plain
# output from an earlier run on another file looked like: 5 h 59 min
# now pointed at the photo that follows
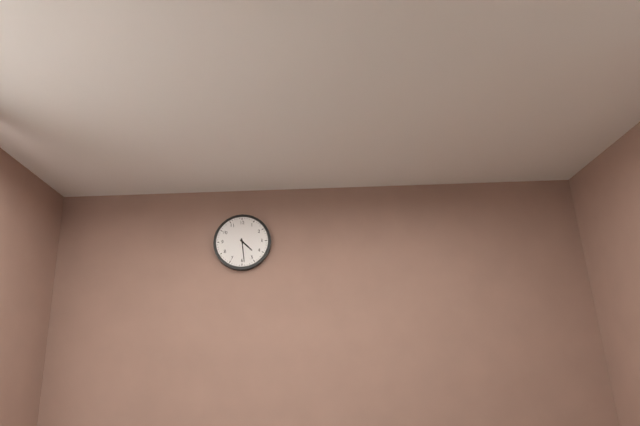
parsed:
4 h 29 min
